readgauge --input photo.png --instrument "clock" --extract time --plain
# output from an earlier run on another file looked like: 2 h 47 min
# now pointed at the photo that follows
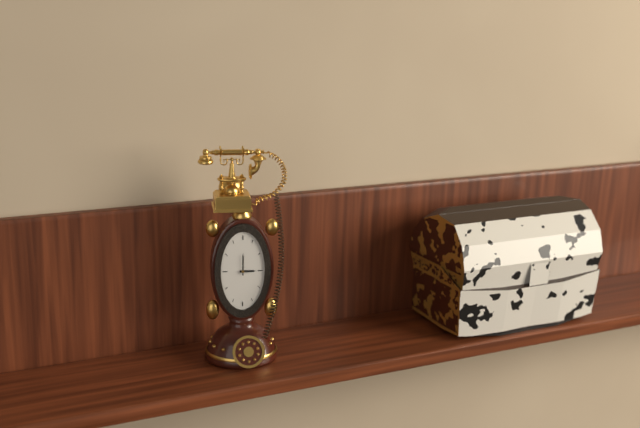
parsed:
3 h 00 min
